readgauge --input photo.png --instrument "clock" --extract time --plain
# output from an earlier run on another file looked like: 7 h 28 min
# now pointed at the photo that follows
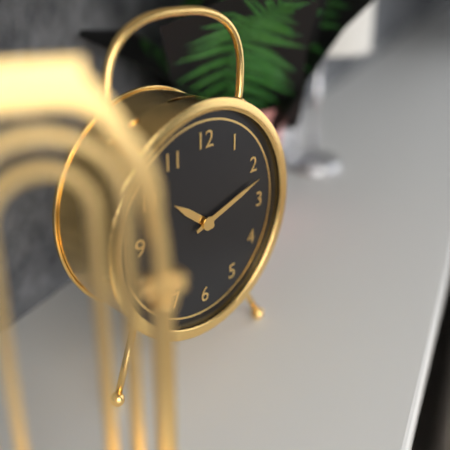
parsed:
10 h 12 min
